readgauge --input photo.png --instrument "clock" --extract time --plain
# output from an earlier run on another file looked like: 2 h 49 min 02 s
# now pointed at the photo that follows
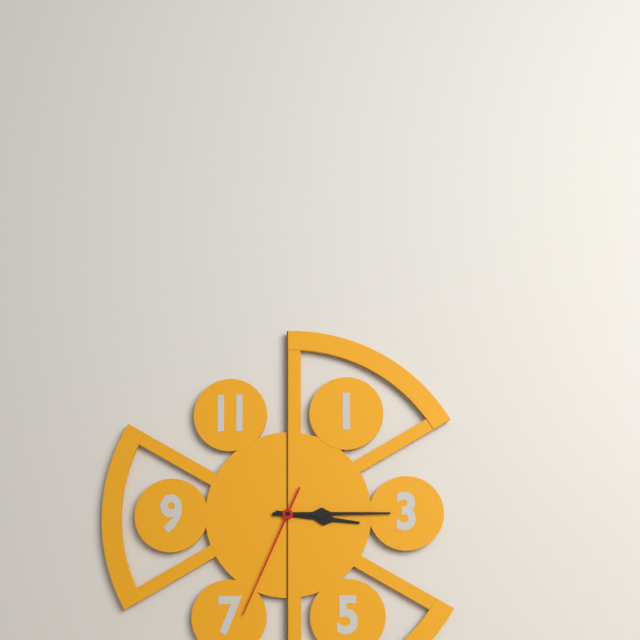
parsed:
3 h 15 min 34 s
